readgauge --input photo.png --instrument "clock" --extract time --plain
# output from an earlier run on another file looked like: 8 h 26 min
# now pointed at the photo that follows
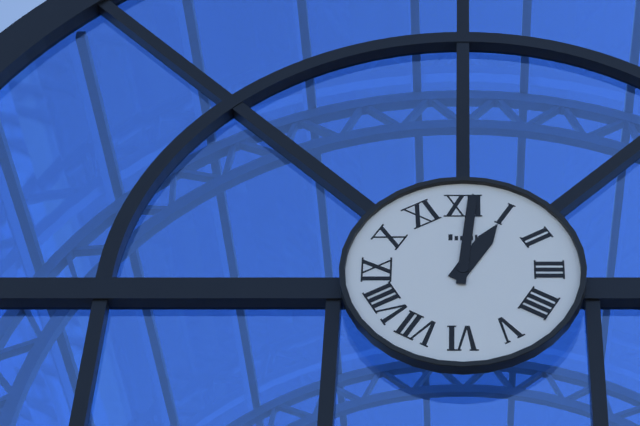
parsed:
1 h 01 min
